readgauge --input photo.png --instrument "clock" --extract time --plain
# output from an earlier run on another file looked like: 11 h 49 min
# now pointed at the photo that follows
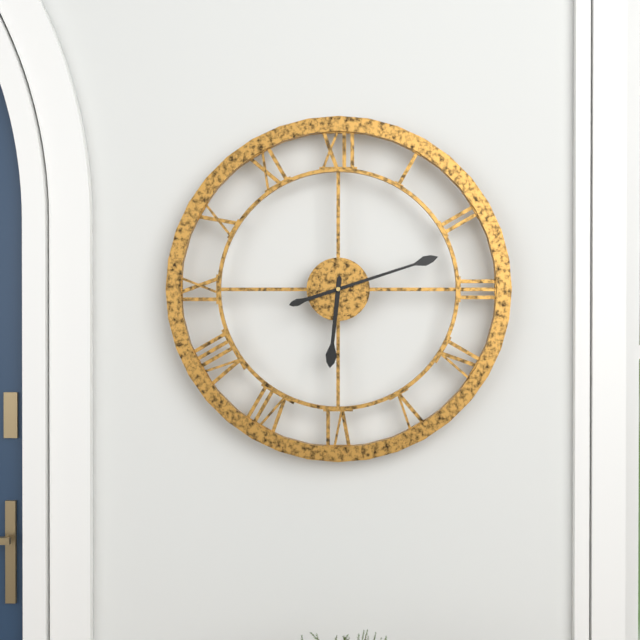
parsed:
6 h 12 min
